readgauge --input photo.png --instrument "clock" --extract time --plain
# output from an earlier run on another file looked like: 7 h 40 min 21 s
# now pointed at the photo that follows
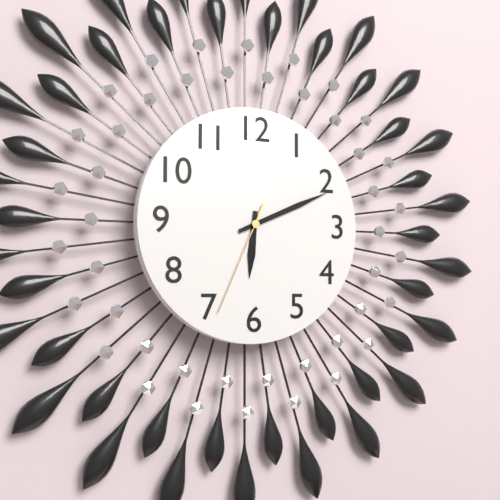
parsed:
6 h 11 min 34 s
